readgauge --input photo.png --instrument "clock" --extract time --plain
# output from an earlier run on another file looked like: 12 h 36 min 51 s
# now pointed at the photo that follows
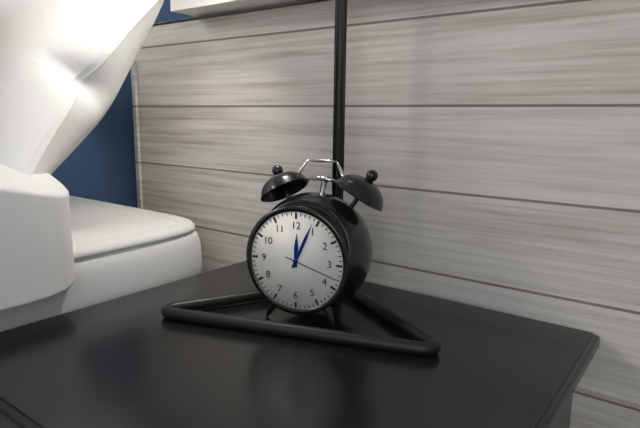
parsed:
12 h 04 min 18 s
